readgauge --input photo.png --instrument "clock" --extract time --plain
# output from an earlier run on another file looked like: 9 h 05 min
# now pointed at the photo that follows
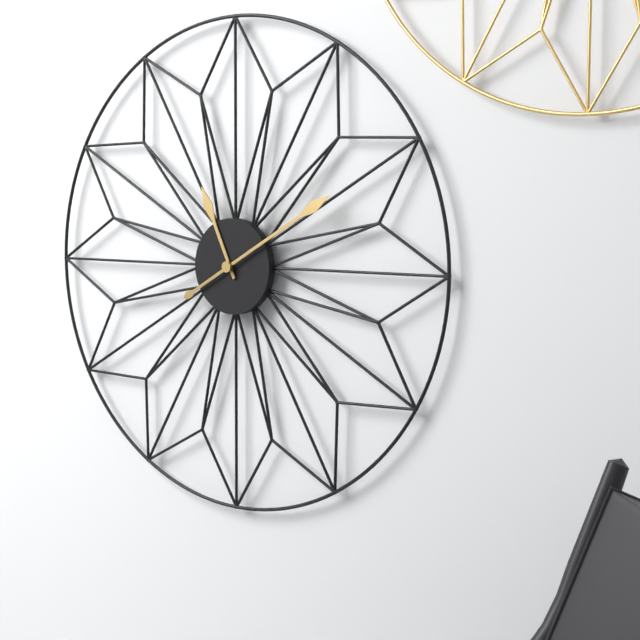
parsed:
11 h 10 min
